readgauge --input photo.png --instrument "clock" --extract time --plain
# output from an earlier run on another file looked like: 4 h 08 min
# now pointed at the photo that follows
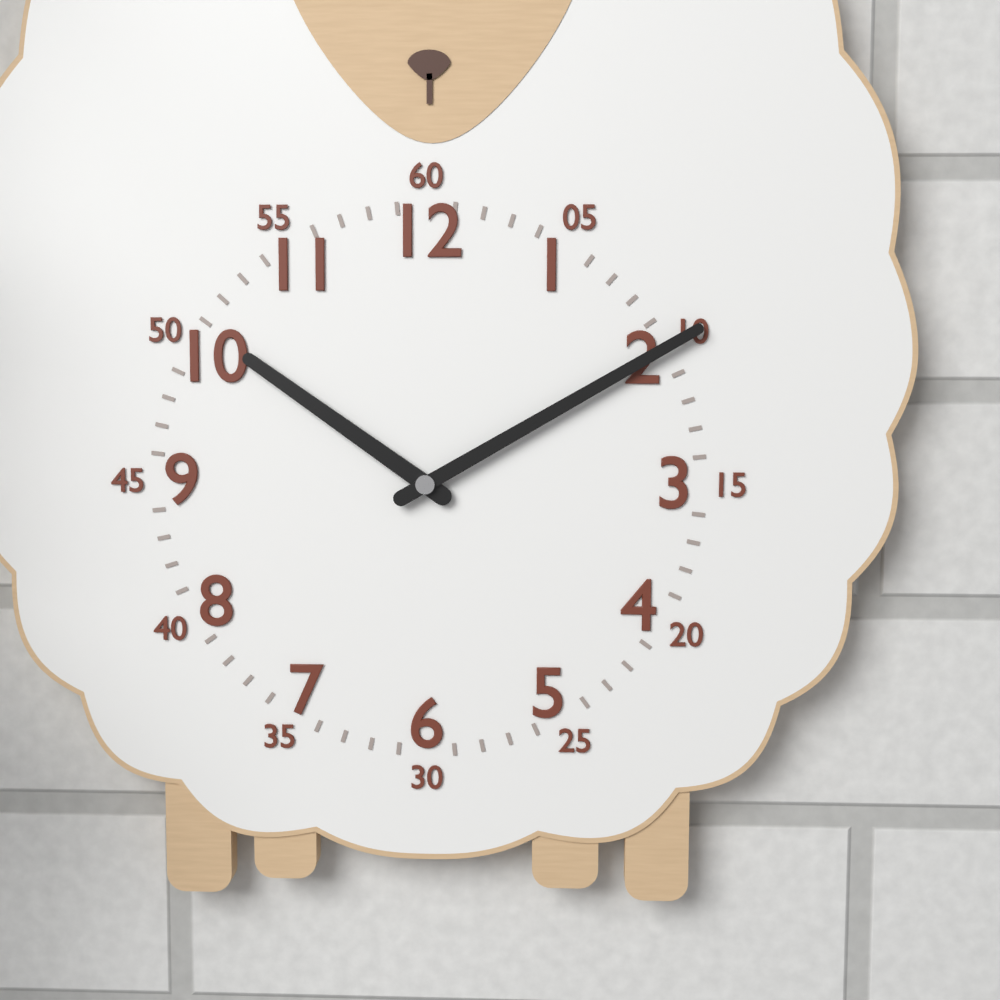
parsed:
10 h 10 min
